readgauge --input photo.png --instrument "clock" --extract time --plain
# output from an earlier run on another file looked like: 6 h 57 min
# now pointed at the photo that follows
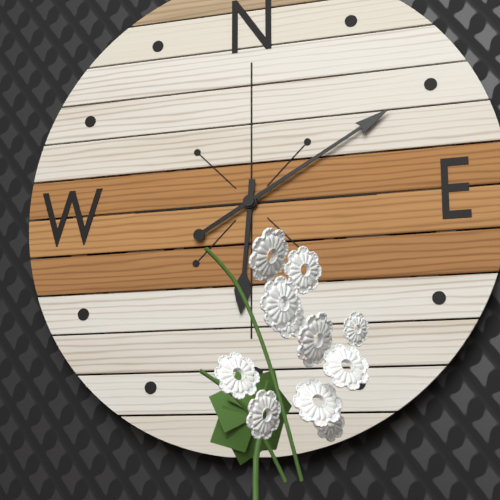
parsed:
6 h 10 min
